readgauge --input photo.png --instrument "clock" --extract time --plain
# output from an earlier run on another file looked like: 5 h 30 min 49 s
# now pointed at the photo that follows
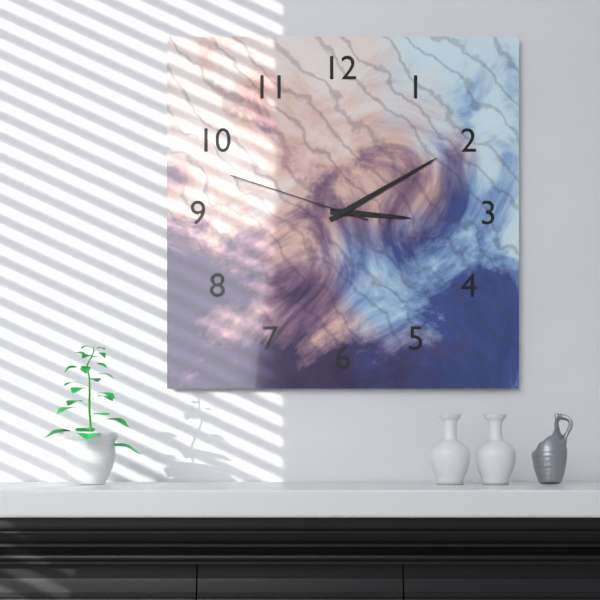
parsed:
3 h 10 min 48 s
